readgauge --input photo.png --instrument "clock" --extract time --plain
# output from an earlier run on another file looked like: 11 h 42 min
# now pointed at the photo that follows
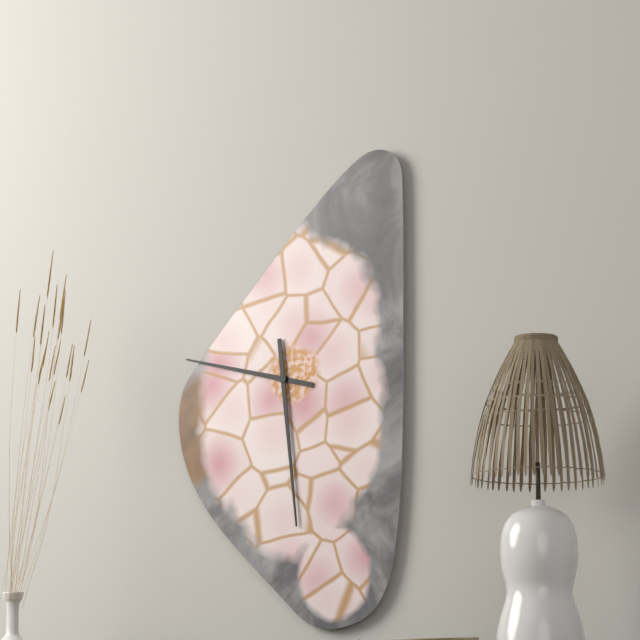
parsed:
9 h 29 min
